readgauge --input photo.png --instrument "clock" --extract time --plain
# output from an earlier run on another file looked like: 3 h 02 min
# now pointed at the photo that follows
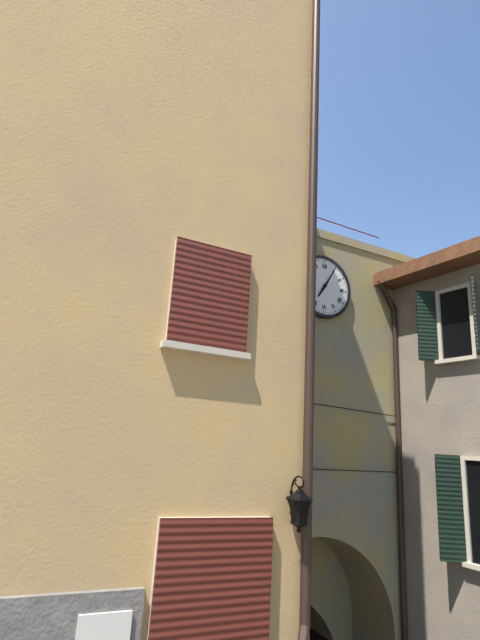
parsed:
7 h 05 min
